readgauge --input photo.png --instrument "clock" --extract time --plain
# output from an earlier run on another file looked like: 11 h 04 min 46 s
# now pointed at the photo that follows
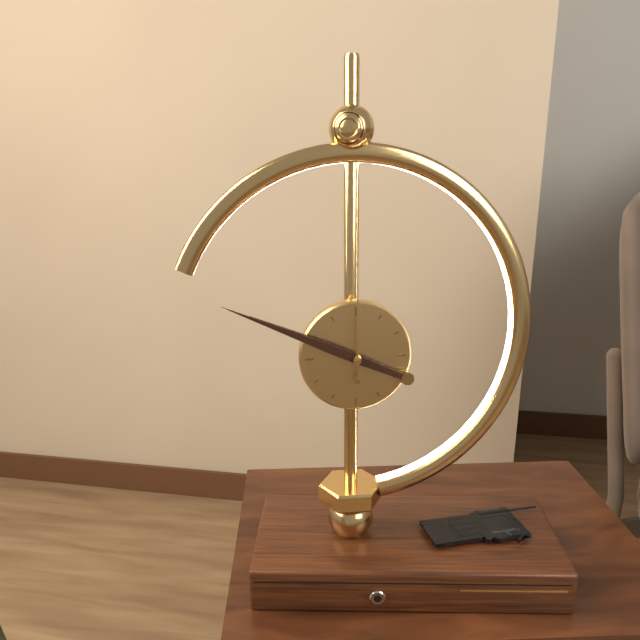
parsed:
9 h 49 min 00 s
